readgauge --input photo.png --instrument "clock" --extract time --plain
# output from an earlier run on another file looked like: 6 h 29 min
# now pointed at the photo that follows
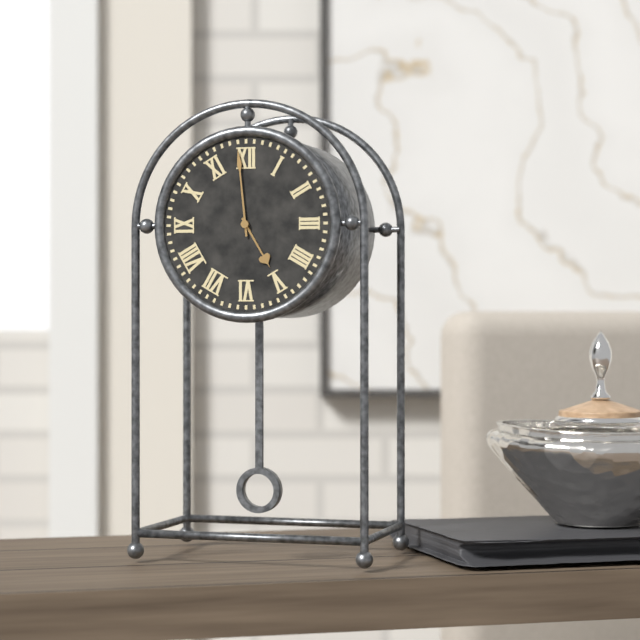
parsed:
4 h 59 min
